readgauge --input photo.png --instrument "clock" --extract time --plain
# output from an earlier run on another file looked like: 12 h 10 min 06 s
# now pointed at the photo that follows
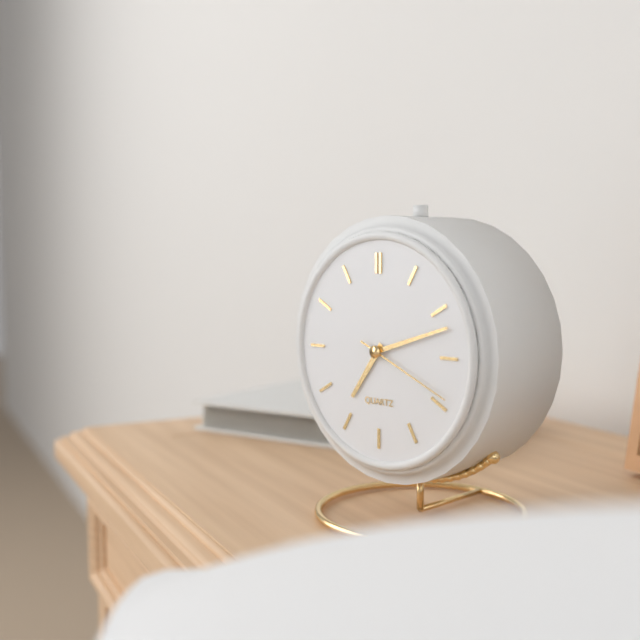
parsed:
7 h 12 min 19 s
